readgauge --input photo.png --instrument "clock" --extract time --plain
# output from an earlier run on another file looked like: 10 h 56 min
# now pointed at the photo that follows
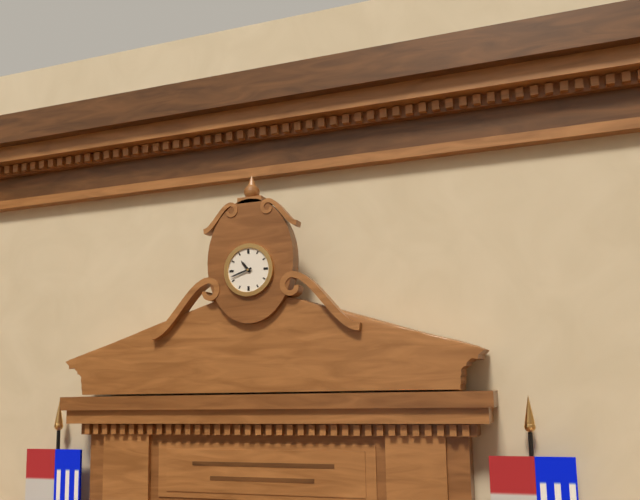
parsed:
10 h 42 min
